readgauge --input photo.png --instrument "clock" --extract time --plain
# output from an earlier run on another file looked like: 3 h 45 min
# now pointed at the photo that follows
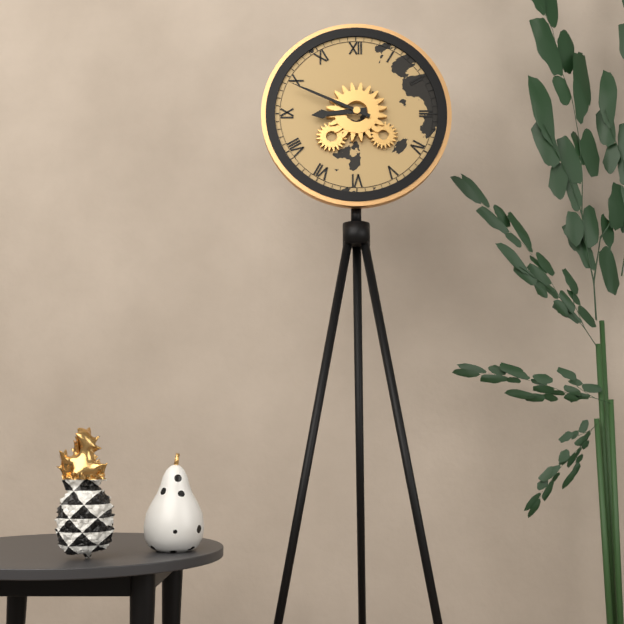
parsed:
8 h 49 min
